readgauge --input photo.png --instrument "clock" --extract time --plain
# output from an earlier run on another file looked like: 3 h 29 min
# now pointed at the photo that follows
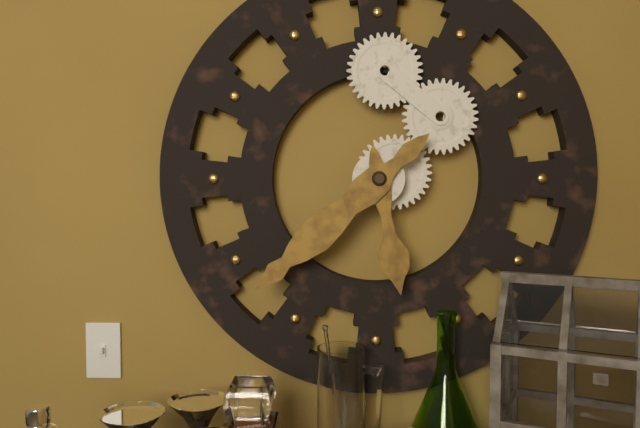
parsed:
5 h 38 min
